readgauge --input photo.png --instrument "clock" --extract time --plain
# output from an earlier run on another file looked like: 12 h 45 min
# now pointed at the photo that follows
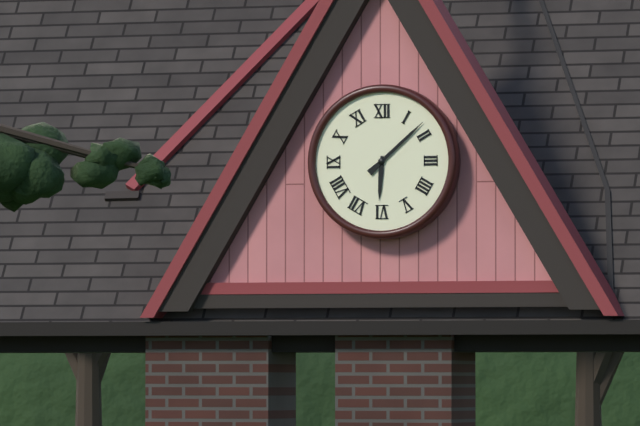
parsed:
6 h 08 min
